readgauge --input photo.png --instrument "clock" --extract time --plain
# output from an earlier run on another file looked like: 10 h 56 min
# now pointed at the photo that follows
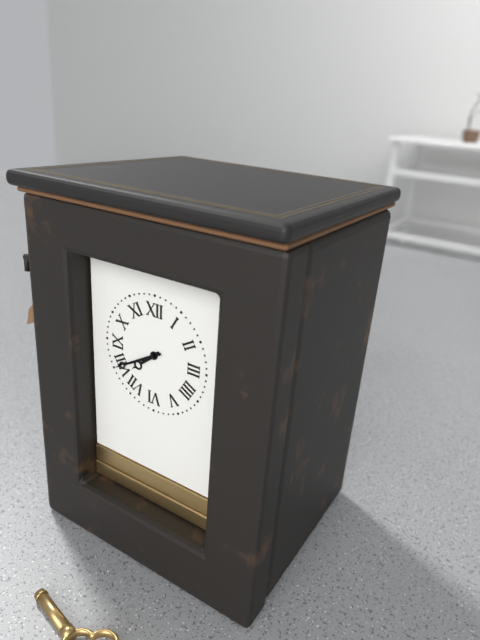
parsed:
7 h 40 min
